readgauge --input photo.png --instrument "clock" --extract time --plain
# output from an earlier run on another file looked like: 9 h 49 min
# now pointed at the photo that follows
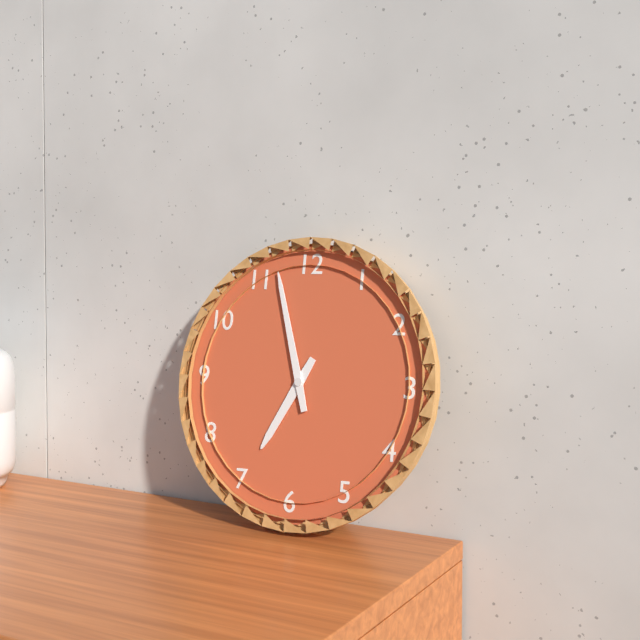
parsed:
6 h 57 min
